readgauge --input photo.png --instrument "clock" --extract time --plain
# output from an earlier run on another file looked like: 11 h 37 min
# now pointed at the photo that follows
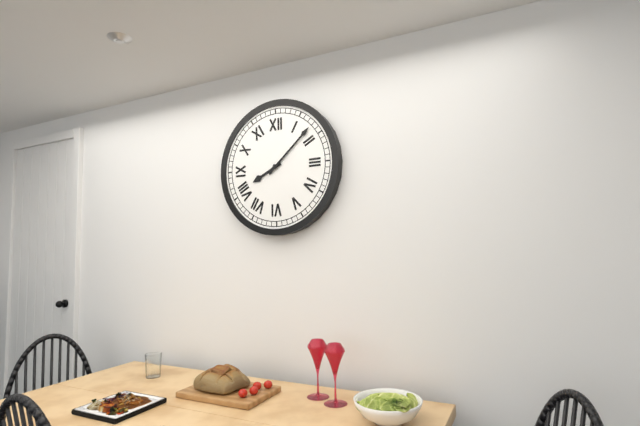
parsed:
8 h 08 min
